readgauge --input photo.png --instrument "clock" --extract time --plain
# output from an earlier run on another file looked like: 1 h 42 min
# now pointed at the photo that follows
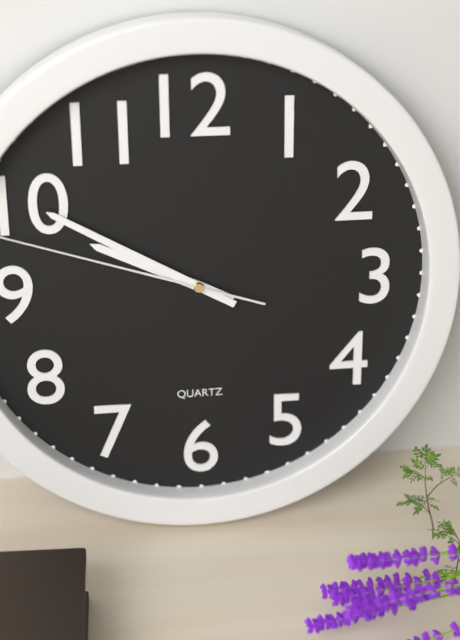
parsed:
9 h 50 min
